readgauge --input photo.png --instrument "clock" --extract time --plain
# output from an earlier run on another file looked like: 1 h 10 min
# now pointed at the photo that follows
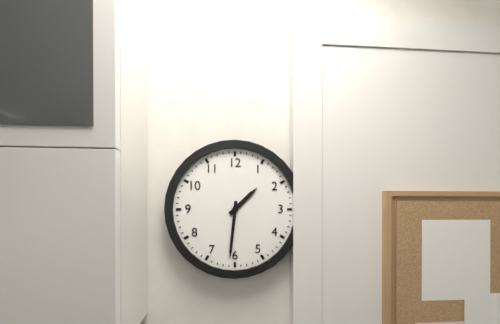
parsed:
1 h 31 min
